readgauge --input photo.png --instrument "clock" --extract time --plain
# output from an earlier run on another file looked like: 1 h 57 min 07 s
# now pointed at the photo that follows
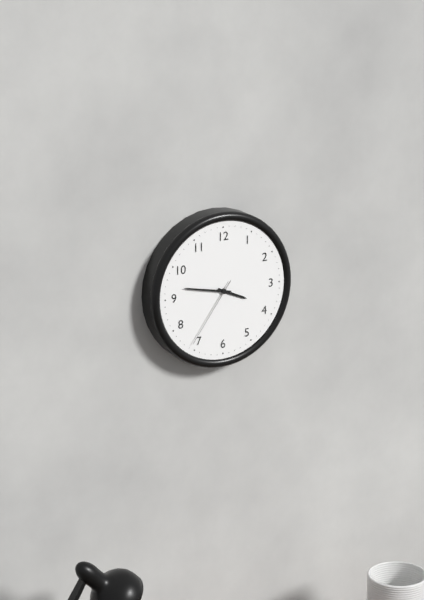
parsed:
3 h 47 min 36 s
